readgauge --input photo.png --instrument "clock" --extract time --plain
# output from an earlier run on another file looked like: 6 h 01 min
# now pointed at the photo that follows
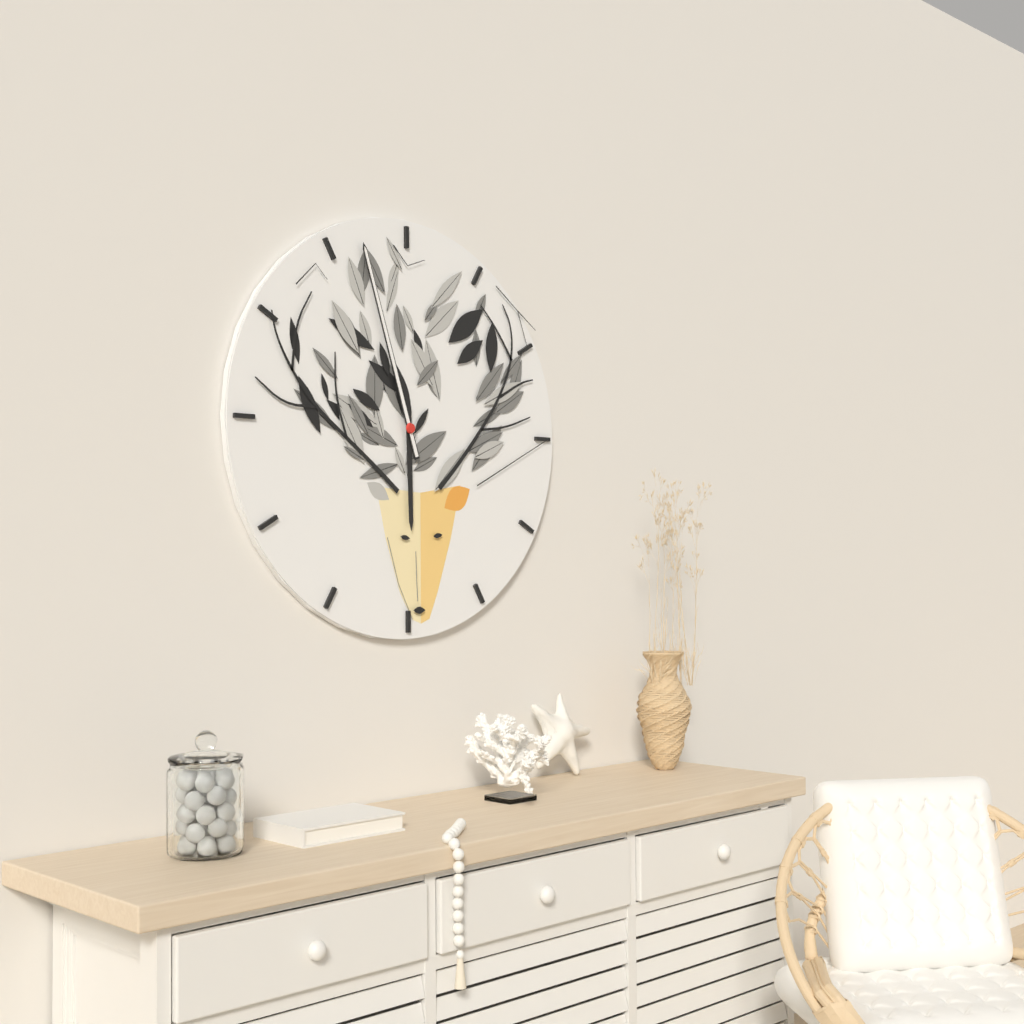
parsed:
5 h 57 min
